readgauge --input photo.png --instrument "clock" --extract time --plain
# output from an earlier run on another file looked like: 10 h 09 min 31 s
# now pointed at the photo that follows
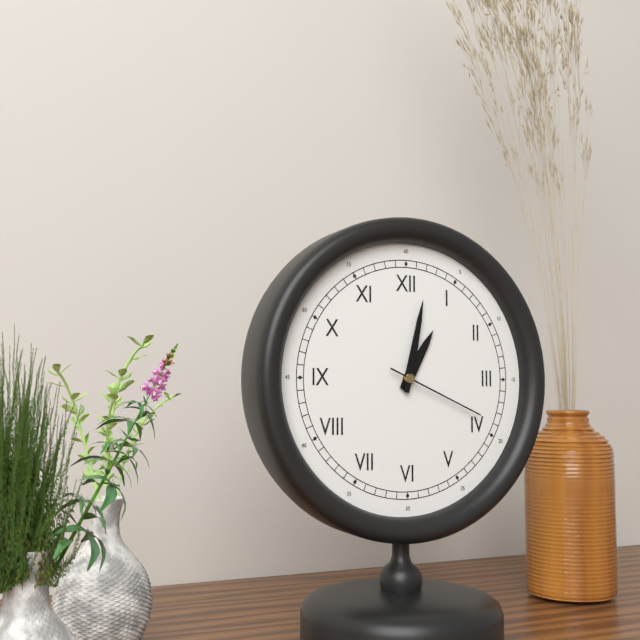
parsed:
1 h 02 min 19 s
